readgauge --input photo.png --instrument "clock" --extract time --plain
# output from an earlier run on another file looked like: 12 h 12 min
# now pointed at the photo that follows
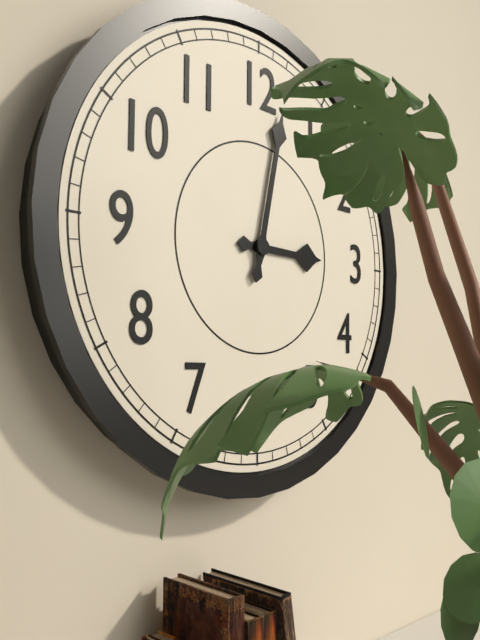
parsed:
3 h 02 min
